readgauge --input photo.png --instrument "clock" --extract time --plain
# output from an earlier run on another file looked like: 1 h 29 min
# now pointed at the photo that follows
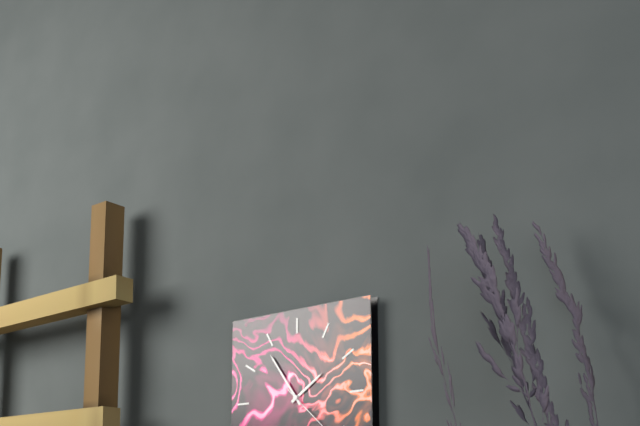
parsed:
1 h 54 min
